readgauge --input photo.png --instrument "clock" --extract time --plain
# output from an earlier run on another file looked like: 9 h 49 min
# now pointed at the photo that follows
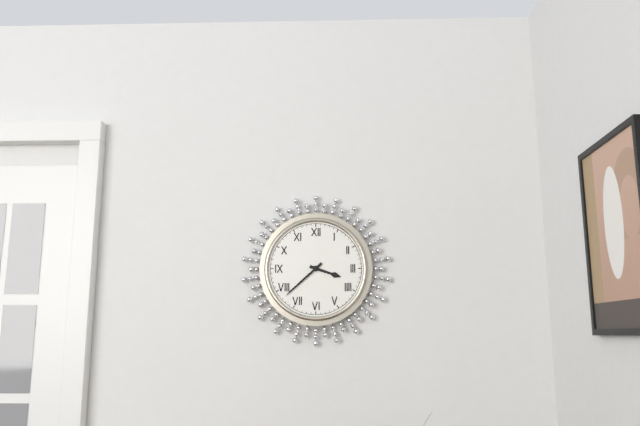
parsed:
3 h 38 min
